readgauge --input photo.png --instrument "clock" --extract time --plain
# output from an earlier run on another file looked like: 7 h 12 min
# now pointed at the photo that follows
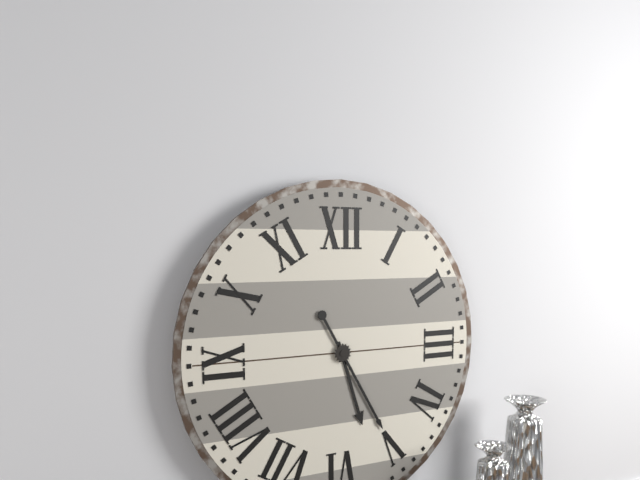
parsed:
5 h 25 min
